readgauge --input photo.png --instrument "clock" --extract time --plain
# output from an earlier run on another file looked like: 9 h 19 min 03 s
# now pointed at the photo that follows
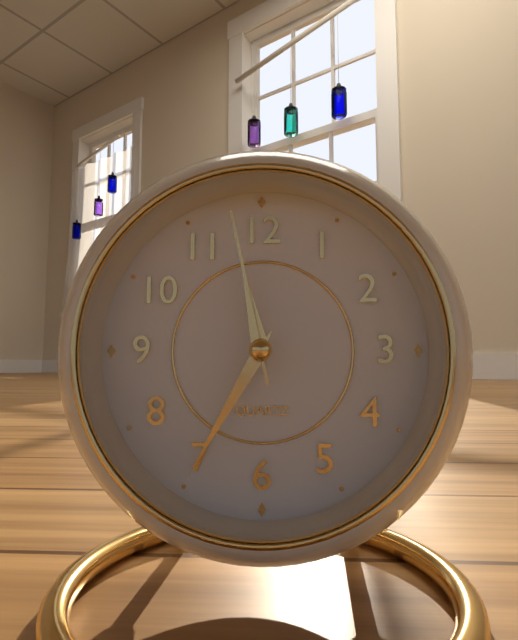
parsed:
11 h 35 min 58 s
